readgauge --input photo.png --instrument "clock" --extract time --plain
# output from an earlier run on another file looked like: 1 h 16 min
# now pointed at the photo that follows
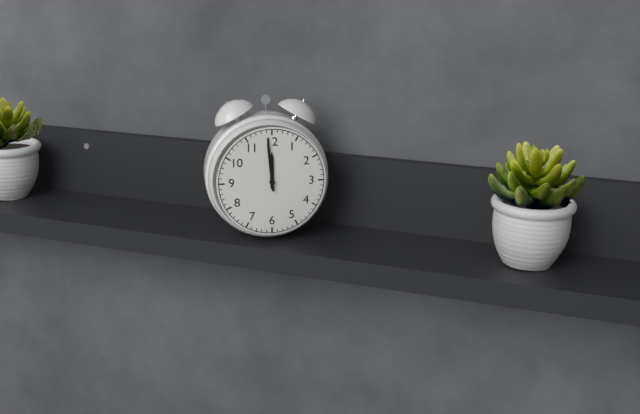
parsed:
11 h 59 min
